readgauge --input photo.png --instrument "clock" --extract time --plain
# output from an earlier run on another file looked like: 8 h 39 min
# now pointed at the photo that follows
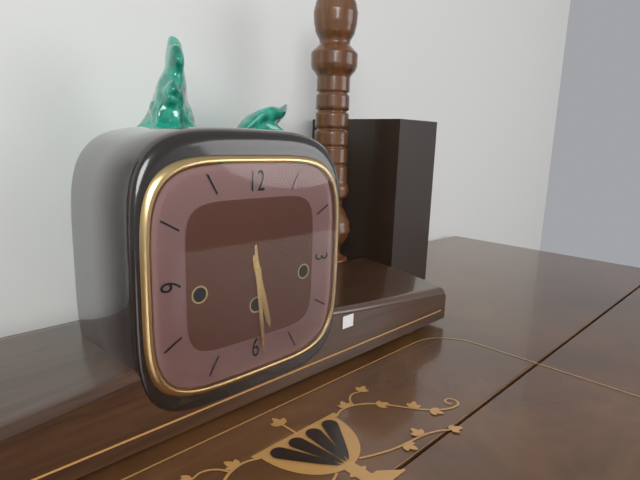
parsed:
5 h 29 min
